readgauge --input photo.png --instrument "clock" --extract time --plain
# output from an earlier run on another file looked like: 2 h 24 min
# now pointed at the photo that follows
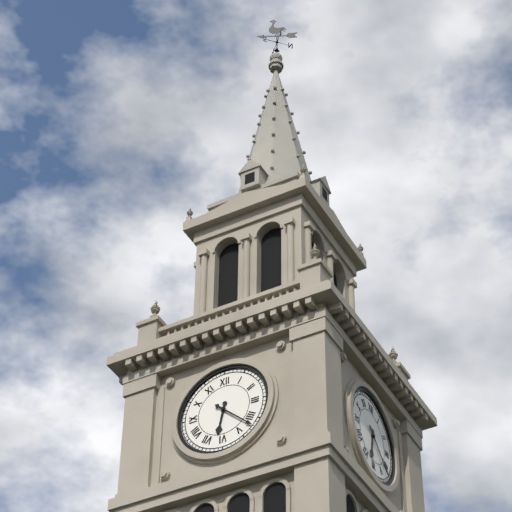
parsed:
6 h 22 min
